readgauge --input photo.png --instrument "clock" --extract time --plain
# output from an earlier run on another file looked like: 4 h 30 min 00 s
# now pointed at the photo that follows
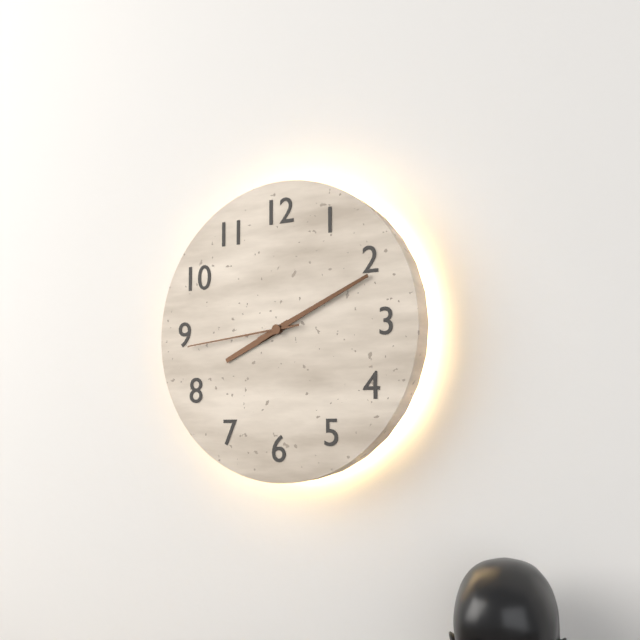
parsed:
8 h 11 min 44 s
